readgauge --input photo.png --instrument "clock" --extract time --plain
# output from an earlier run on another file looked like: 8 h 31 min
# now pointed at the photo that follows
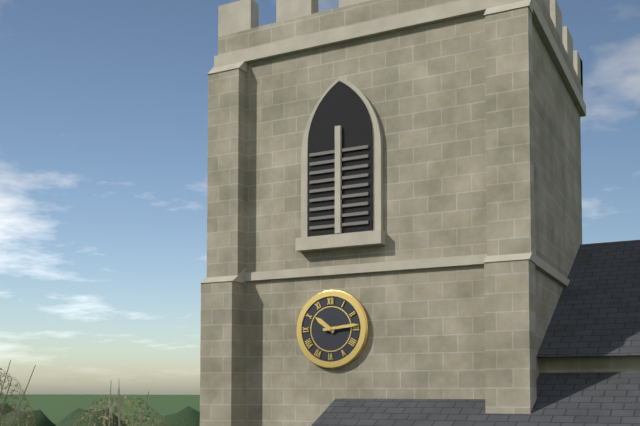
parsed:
10 h 14 min
